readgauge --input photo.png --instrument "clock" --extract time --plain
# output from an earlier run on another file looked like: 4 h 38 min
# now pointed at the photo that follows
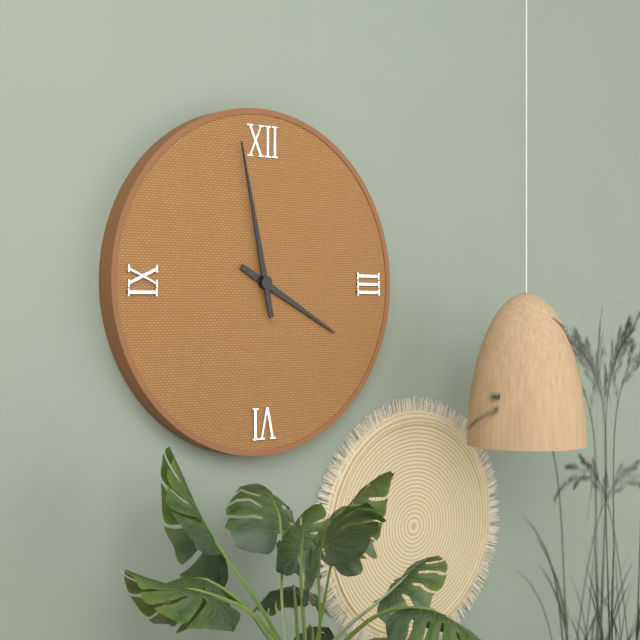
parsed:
3 h 58 min
